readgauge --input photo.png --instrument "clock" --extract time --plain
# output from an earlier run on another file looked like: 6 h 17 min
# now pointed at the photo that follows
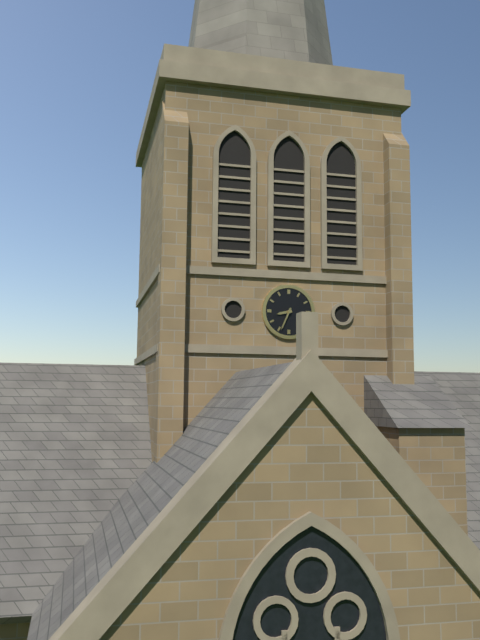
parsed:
8 h 34 min
